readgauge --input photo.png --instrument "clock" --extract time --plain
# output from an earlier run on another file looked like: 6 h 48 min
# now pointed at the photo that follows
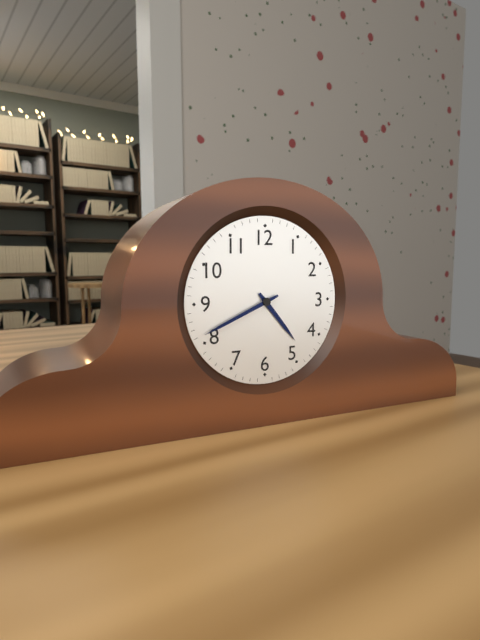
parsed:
4 h 41 min
